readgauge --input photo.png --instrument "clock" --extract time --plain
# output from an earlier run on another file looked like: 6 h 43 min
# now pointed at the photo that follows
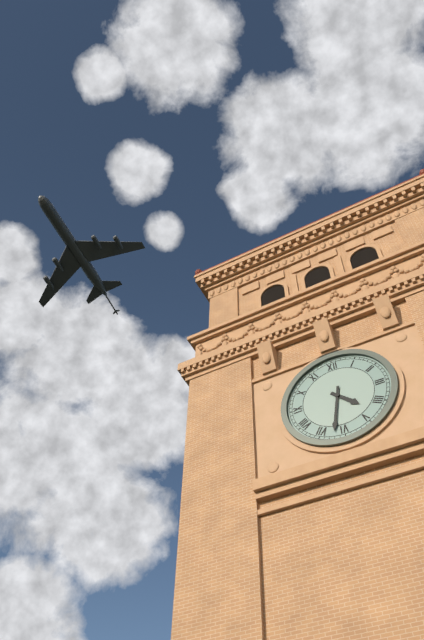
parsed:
4 h 32 min
